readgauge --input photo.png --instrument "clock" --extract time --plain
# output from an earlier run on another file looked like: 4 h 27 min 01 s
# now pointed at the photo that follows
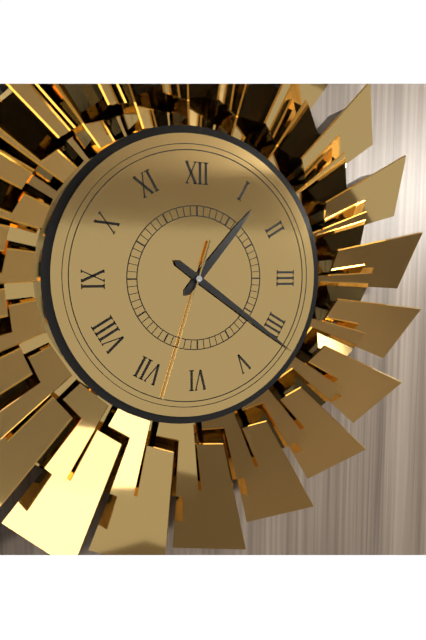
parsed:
1 h 21 min 33 s
